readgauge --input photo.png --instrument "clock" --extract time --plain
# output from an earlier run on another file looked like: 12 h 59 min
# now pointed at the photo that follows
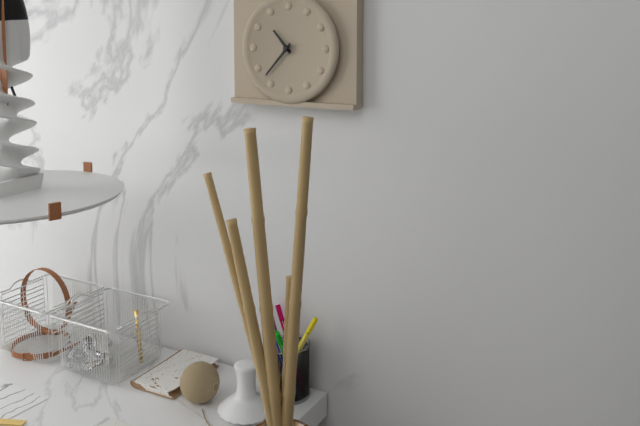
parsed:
10 h 37 min
